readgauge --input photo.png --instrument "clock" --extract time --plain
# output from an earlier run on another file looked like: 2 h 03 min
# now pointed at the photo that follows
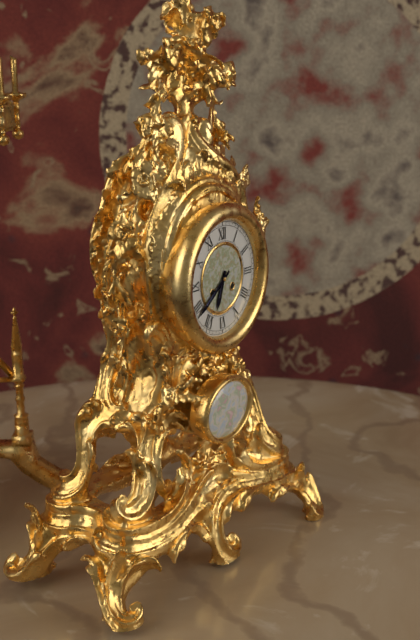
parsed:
6 h 39 min
